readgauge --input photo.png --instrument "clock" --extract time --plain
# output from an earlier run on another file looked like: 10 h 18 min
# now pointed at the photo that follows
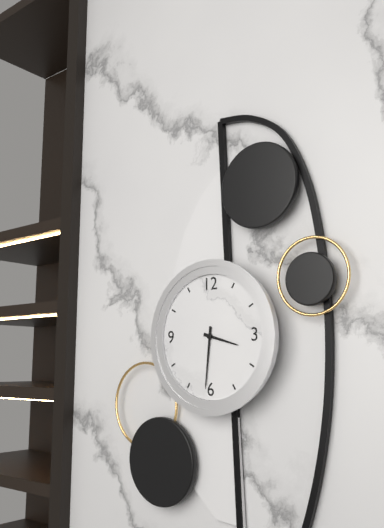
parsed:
3 h 31 min
